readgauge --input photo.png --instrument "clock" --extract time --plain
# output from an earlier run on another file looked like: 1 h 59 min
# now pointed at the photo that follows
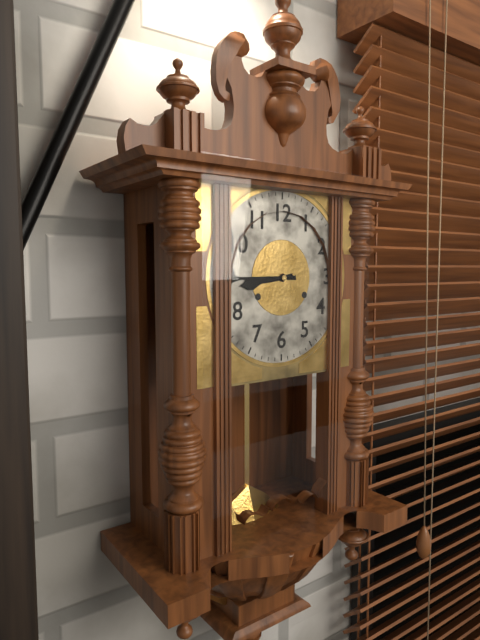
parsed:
8 h 45 min
